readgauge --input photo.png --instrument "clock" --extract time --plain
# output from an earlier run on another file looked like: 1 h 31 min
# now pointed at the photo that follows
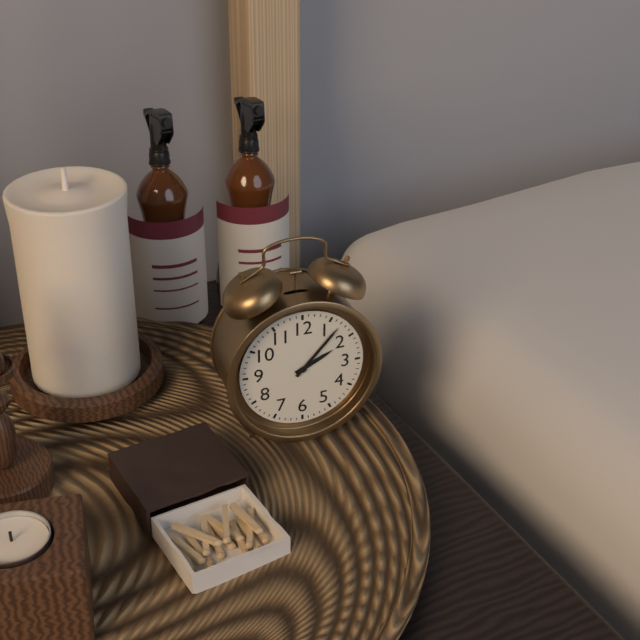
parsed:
2 h 07 min
